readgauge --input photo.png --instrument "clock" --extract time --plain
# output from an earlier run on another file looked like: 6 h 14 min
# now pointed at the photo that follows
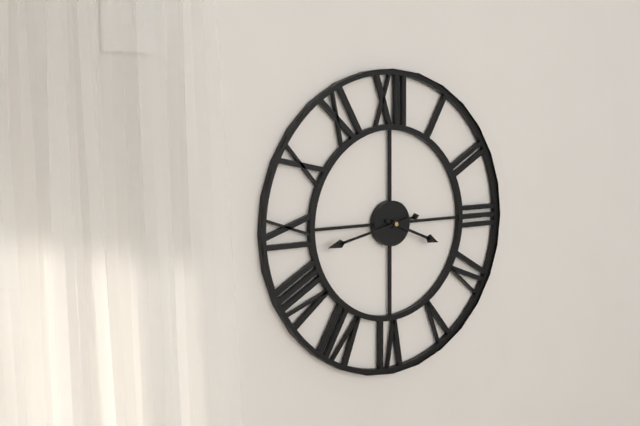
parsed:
3 h 43 min
